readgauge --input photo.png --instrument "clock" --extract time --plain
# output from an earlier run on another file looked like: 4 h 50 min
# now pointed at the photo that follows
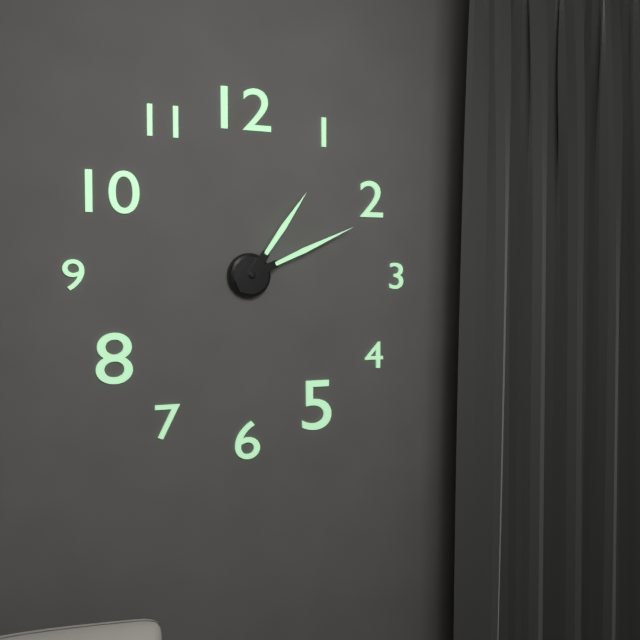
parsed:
1 h 11 min
